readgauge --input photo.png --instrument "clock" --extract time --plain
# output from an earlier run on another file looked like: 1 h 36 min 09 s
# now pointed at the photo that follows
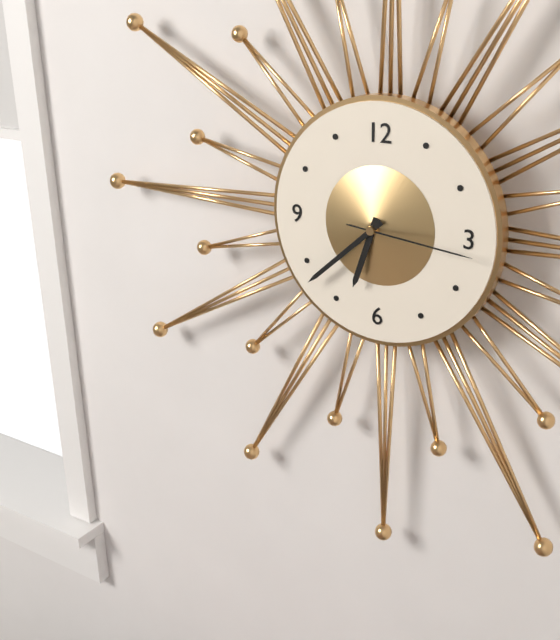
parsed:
6 h 38 min 16 s
